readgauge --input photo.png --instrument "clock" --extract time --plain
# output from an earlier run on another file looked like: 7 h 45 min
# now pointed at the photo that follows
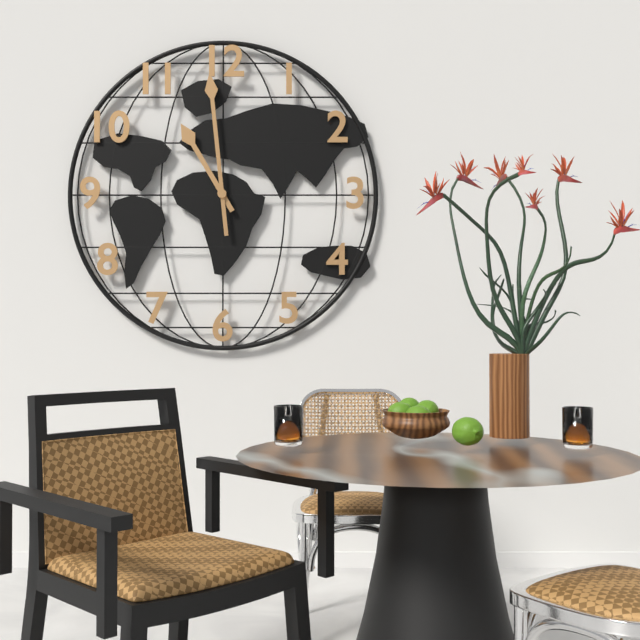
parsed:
10 h 59 min
